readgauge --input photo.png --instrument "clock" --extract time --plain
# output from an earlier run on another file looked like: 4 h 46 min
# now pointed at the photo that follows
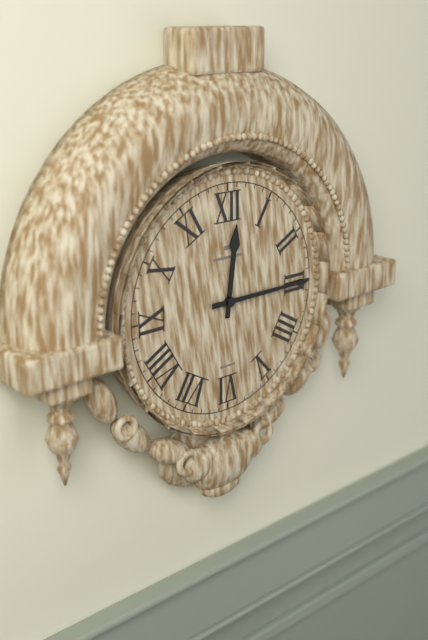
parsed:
12 h 15 min
